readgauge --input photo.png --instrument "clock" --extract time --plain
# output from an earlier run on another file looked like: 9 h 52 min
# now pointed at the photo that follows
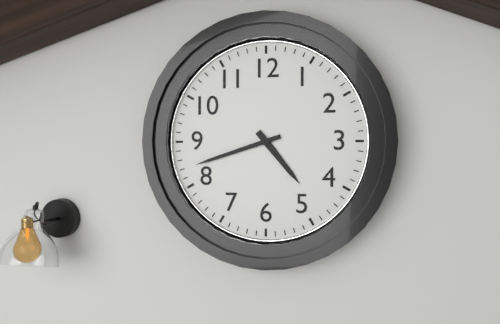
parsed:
4 h 42 min
